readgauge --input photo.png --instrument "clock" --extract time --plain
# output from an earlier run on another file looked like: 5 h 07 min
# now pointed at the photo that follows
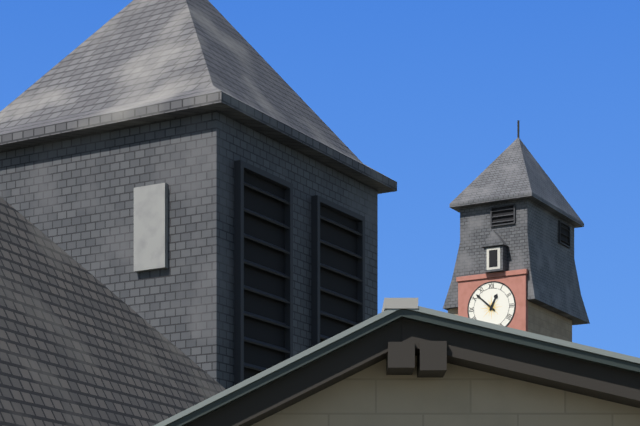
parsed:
12 h 52 min
